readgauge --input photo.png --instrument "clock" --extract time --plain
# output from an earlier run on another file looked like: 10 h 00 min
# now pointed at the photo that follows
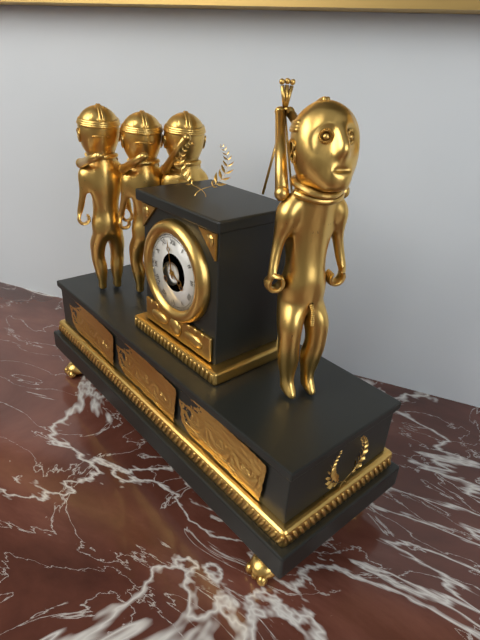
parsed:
3 h 58 min
